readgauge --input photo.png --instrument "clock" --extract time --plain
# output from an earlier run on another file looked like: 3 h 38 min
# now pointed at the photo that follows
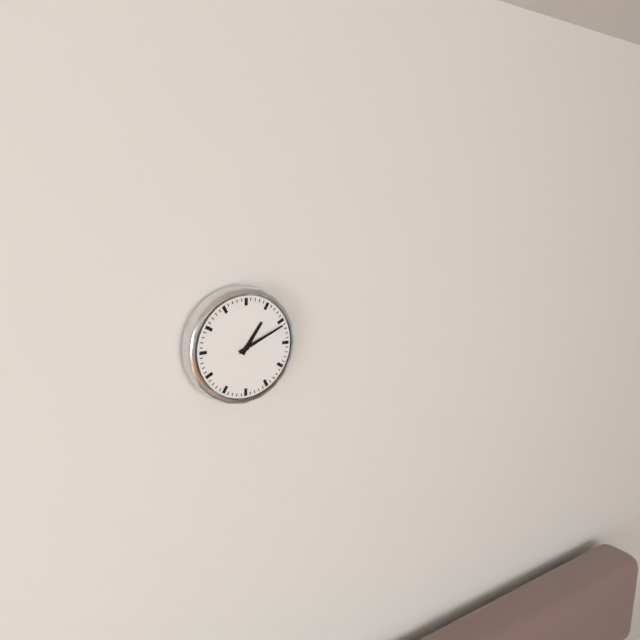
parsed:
1 h 11 min
